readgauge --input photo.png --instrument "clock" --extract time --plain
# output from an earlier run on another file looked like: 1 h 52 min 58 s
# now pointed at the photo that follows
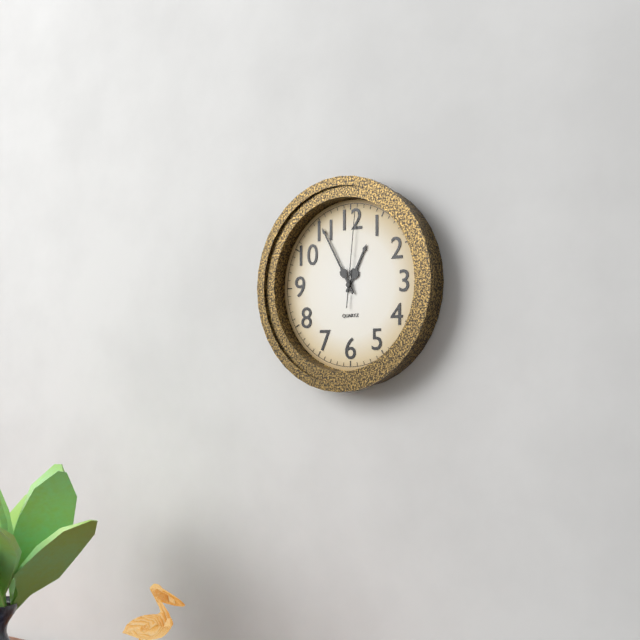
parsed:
12 h 55 min 01 s
